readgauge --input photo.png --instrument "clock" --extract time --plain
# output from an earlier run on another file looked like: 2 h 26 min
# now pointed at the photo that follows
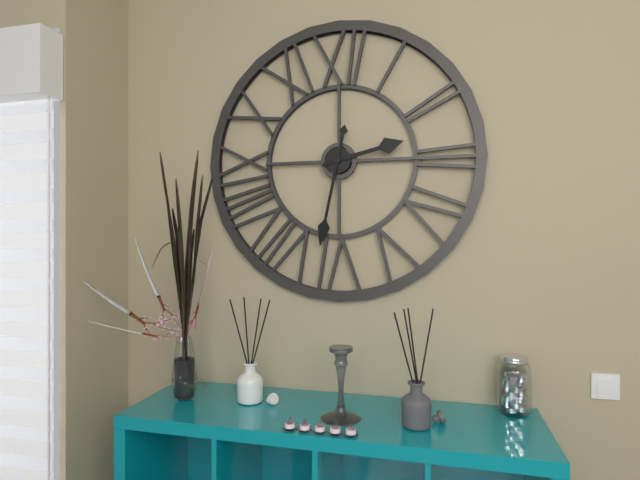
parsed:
2 h 32 min
